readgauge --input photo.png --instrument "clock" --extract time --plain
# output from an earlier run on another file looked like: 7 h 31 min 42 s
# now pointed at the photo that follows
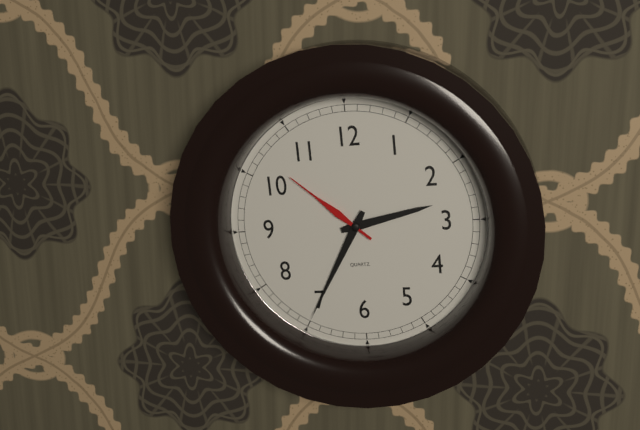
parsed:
2 h 35 min 52 s
